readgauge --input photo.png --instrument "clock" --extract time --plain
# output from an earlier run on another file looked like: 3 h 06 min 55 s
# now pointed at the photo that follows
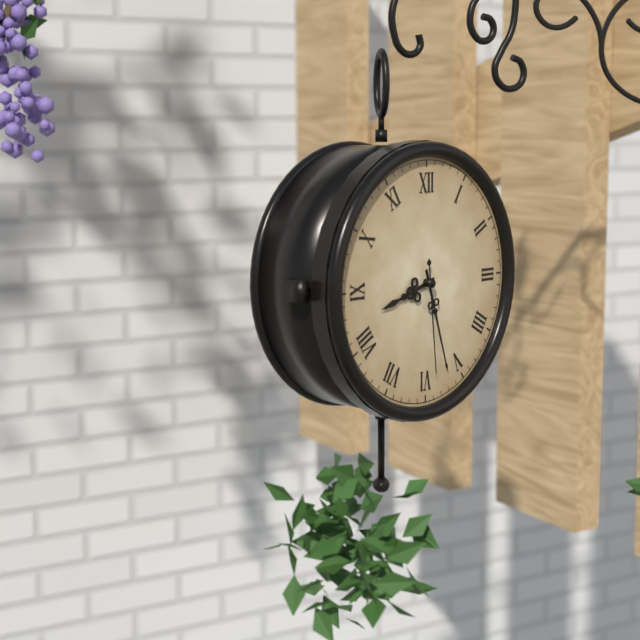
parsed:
8 h 27 min 29 s
